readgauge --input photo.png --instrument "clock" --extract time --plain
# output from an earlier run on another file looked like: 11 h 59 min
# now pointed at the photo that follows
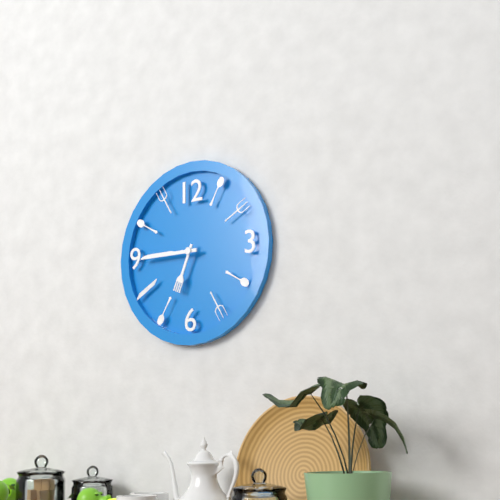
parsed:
6 h 45 min
